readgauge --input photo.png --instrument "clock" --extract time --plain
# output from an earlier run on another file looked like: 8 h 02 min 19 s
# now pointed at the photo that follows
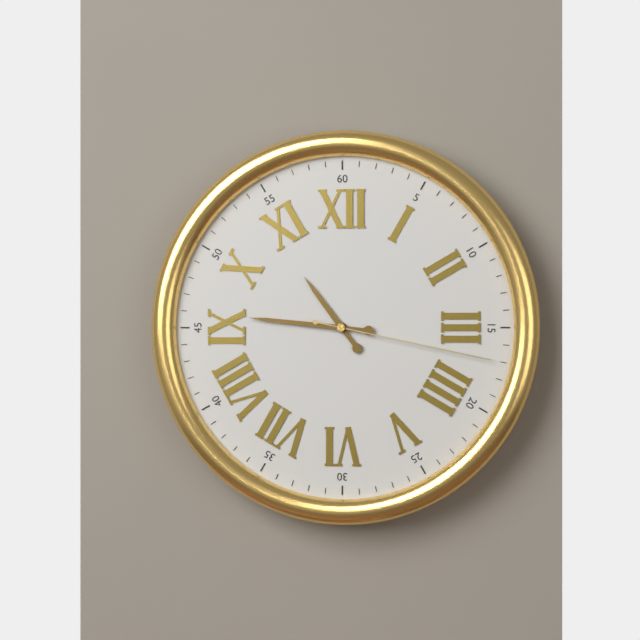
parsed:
10 h 46 min 17 s
